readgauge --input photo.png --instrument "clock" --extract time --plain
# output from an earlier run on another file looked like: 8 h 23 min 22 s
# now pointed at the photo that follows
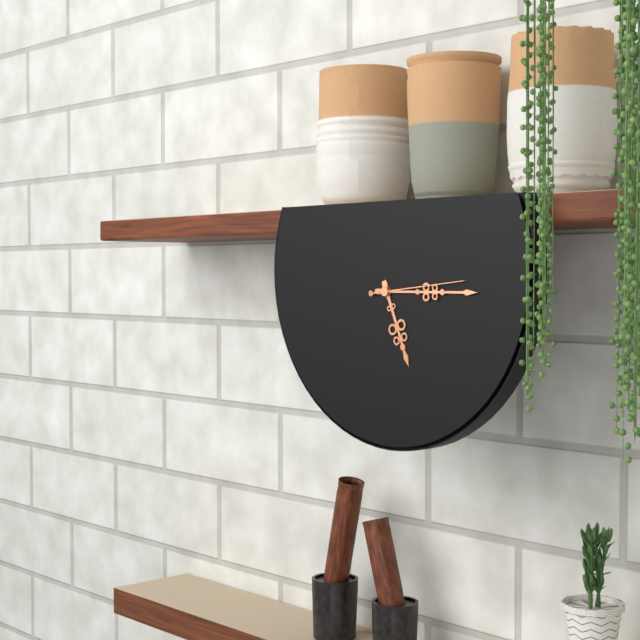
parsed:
5 h 15 min 14 s
